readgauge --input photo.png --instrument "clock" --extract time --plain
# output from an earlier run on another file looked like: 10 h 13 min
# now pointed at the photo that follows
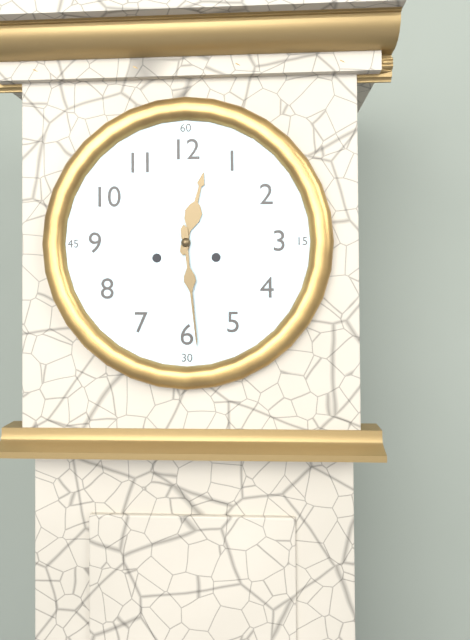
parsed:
12 h 29 min
